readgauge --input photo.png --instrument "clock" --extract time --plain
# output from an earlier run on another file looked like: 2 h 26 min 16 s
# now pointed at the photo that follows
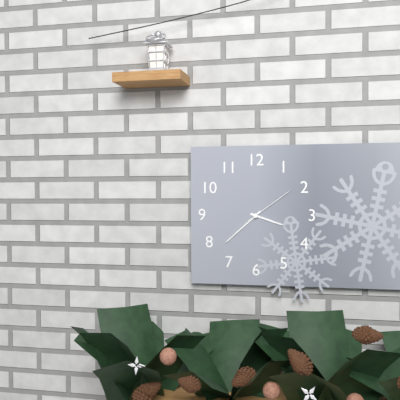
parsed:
3 h 38 min 09 s
